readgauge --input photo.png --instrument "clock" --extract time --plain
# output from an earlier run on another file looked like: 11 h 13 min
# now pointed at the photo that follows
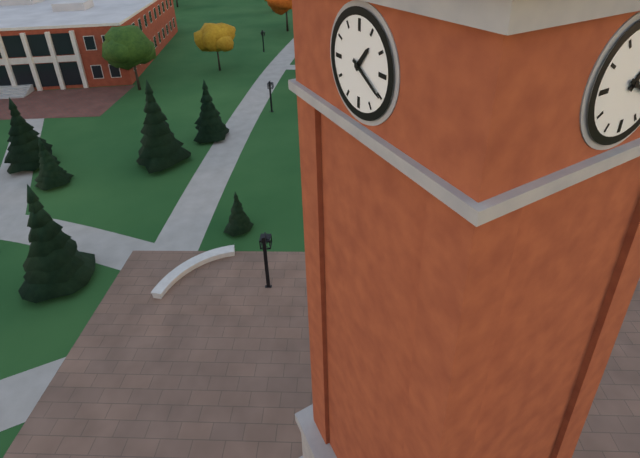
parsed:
1 h 20 min
